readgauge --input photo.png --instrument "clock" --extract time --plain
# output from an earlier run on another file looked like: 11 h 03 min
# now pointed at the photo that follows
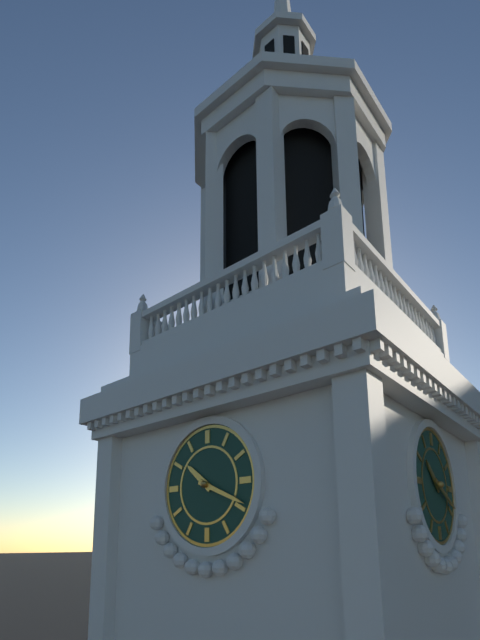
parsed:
10 h 19 min
